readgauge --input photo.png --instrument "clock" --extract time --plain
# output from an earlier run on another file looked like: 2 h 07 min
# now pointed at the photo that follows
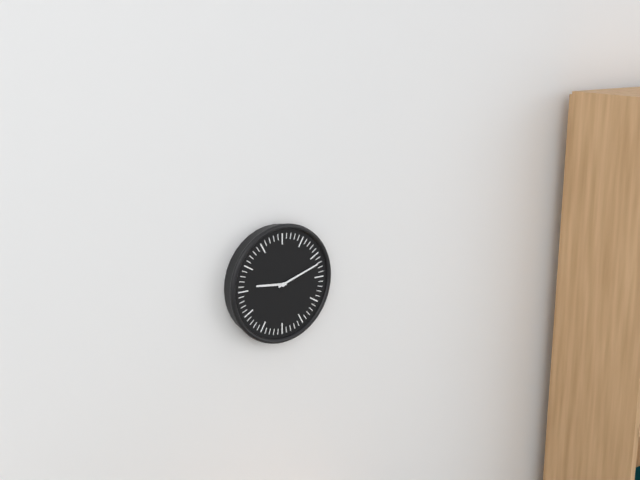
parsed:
9 h 12 min
